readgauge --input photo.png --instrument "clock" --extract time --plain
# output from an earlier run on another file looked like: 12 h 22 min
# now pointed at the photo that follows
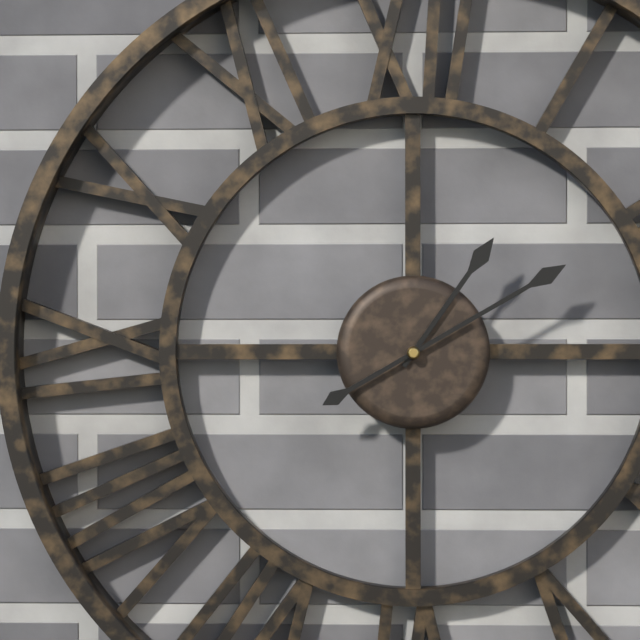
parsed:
1 h 10 min
